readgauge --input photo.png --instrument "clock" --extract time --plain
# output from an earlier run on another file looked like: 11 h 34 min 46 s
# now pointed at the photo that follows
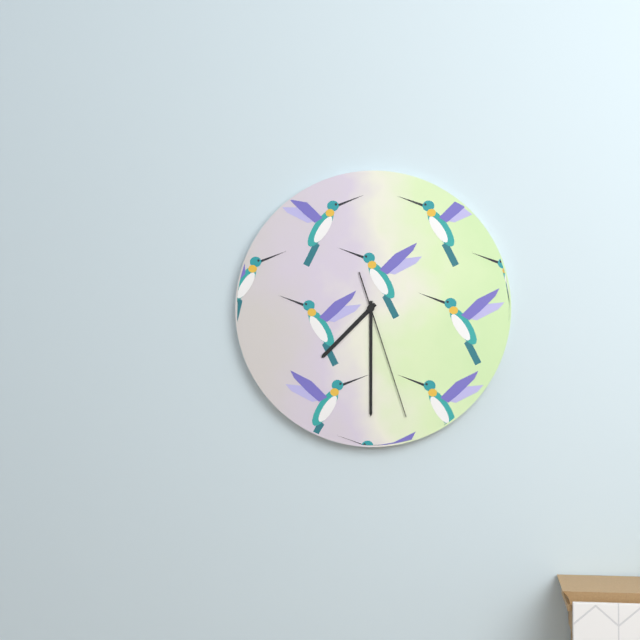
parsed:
7 h 30 min 27 s
